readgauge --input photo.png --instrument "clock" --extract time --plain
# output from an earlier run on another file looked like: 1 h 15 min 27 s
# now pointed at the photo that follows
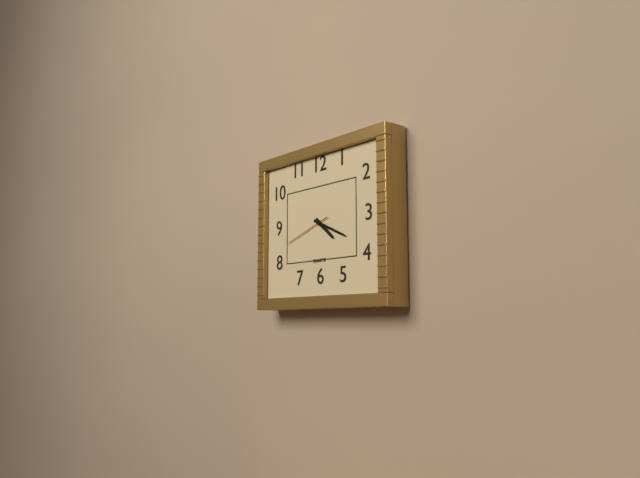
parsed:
4 h 19 min 42 s
